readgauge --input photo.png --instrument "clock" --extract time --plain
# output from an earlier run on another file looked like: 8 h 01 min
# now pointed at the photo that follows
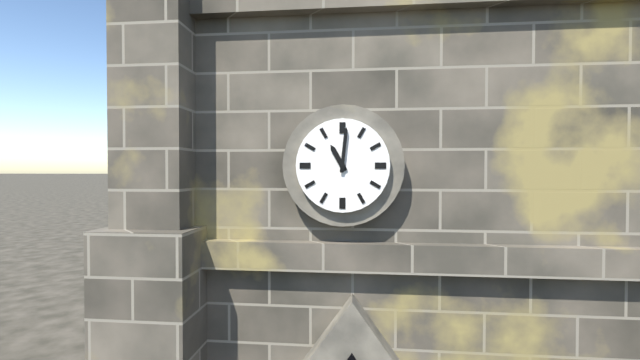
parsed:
11 h 01 min
